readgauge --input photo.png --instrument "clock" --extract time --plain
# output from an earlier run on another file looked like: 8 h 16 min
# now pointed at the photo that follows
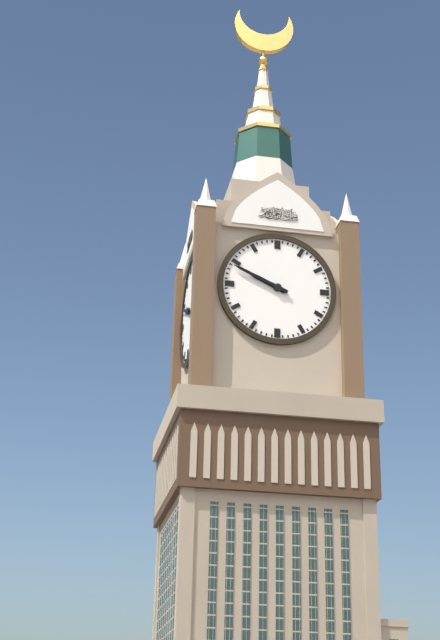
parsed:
9 h 49 min
